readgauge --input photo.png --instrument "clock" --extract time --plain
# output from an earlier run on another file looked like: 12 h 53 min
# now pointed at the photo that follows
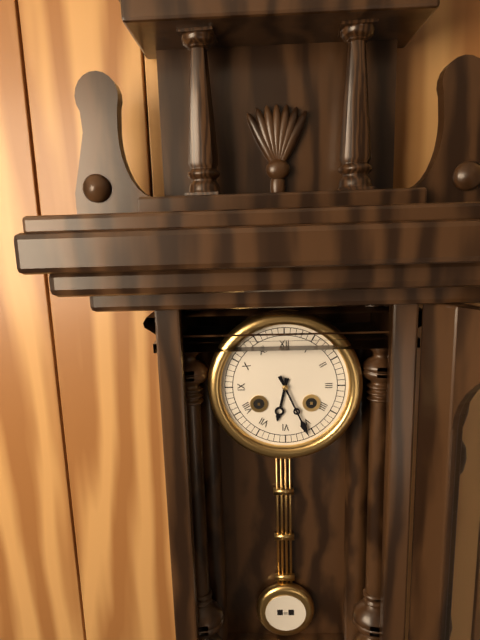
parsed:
6 h 26 min
